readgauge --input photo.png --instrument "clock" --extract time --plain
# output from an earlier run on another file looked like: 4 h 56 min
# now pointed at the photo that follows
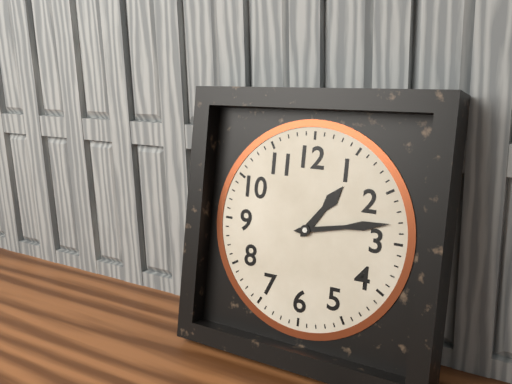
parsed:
1 h 13 min
